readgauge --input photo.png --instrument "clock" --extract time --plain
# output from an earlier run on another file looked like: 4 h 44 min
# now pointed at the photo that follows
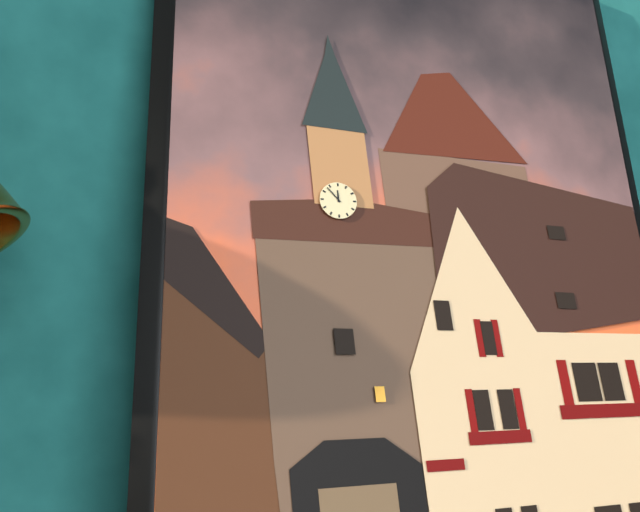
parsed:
11 h 53 min
